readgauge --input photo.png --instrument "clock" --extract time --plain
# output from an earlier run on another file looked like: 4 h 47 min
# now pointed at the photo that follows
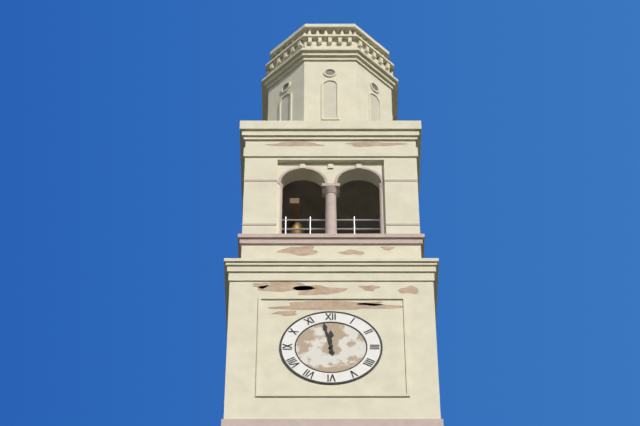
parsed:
11 h 58 min
